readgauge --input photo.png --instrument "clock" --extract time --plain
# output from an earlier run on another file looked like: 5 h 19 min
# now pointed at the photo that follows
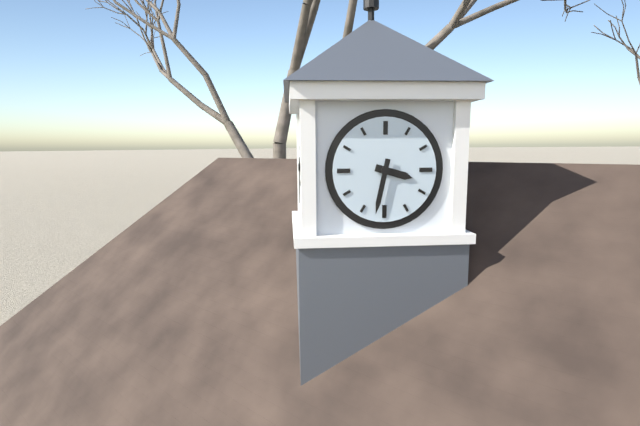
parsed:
3 h 32 min
